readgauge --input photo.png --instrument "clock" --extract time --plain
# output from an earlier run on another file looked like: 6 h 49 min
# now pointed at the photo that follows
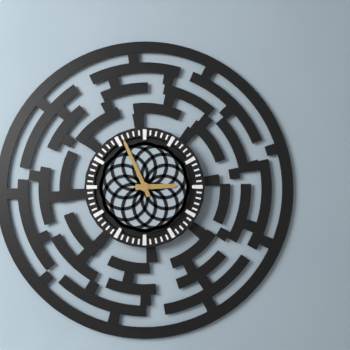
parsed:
2 h 56 min
